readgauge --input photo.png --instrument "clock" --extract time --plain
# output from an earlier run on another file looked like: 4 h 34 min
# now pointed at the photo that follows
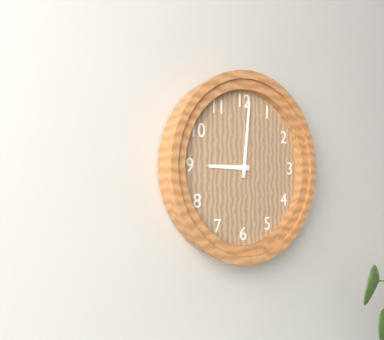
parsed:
9 h 01 min
